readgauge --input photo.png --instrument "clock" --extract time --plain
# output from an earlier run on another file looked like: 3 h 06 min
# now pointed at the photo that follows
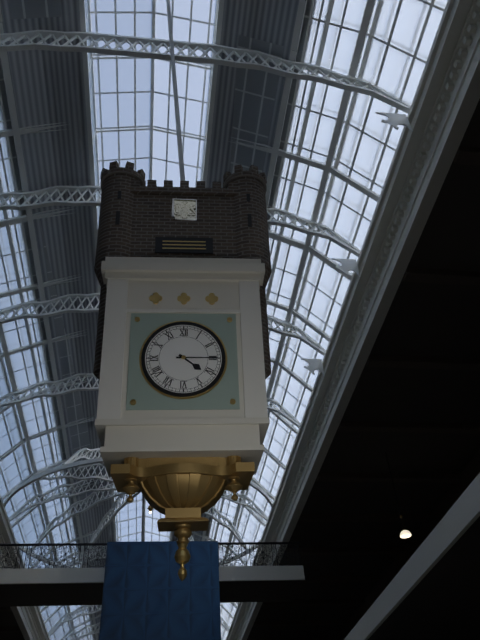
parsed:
4 h 15 min
